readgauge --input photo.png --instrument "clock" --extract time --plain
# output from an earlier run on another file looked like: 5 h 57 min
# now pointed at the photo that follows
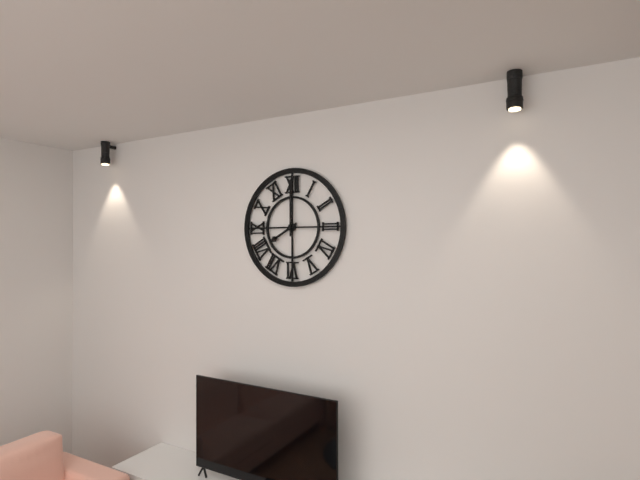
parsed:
8 h 00 min
